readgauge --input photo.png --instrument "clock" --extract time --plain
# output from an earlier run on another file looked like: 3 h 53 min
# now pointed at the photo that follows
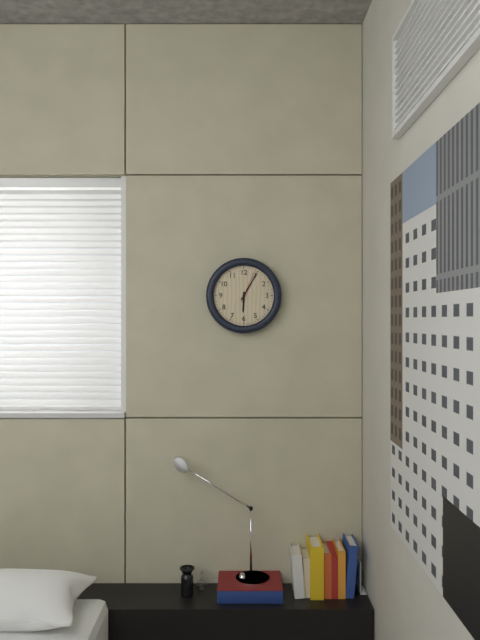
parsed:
6 h 05 min
